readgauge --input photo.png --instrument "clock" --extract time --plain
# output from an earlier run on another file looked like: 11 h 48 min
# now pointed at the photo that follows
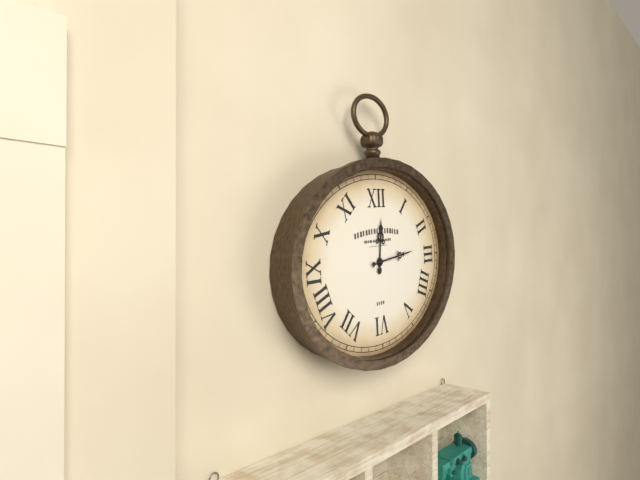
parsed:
12 h 14 min
